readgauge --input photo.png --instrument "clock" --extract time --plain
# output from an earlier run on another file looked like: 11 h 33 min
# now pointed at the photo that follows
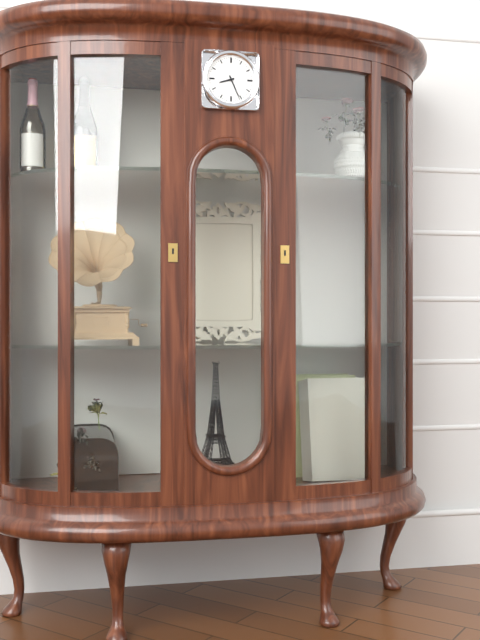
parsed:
8 h 26 min
